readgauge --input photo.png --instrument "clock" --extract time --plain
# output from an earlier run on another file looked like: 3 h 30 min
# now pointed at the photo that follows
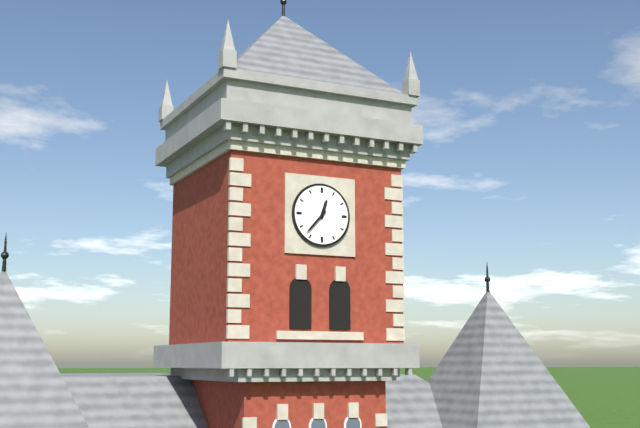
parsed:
12 h 37 min
